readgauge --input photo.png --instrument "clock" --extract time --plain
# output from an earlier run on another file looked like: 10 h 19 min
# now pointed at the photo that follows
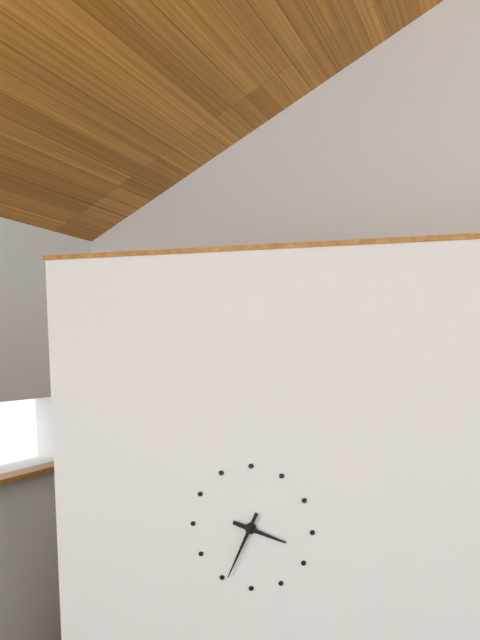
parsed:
3 h 34 min
